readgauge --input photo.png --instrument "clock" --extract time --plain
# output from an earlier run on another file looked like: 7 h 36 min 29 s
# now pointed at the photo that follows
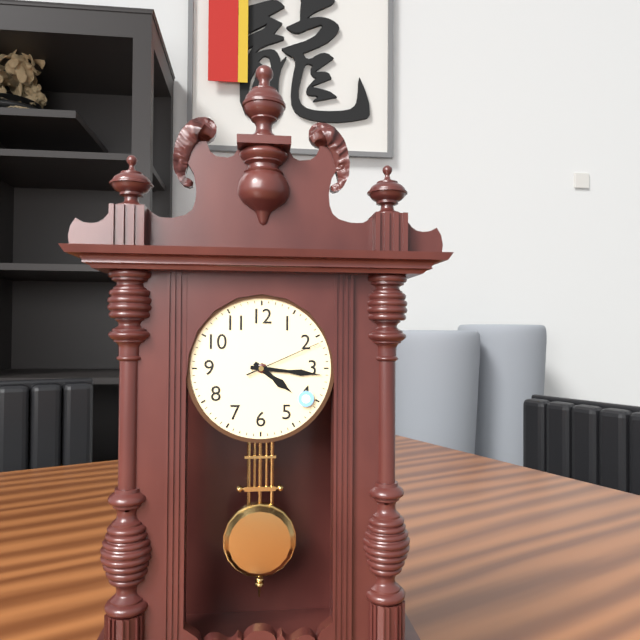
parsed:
4 h 16 min 11 s
